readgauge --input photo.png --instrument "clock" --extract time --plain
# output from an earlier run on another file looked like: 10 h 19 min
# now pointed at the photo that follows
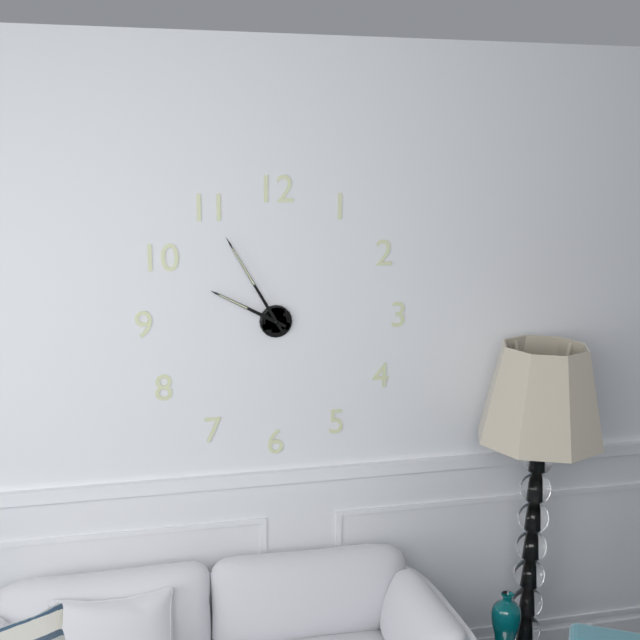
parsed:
9 h 55 min
